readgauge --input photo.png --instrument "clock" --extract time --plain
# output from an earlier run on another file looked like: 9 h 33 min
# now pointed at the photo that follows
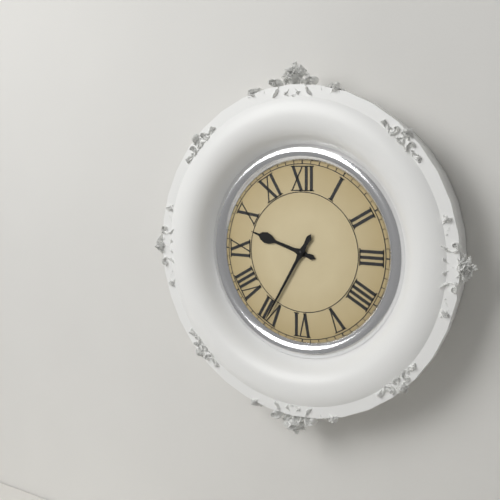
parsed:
9 h 35 min
